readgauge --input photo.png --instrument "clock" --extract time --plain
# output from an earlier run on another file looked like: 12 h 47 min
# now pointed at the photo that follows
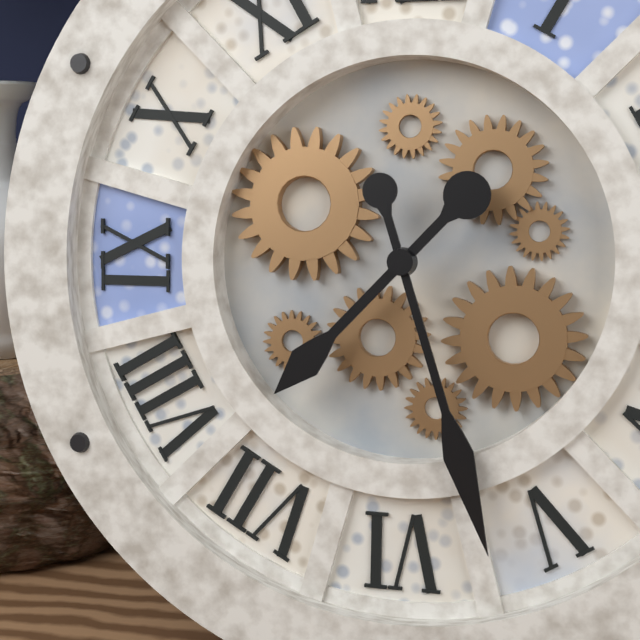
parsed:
7 h 27 min
